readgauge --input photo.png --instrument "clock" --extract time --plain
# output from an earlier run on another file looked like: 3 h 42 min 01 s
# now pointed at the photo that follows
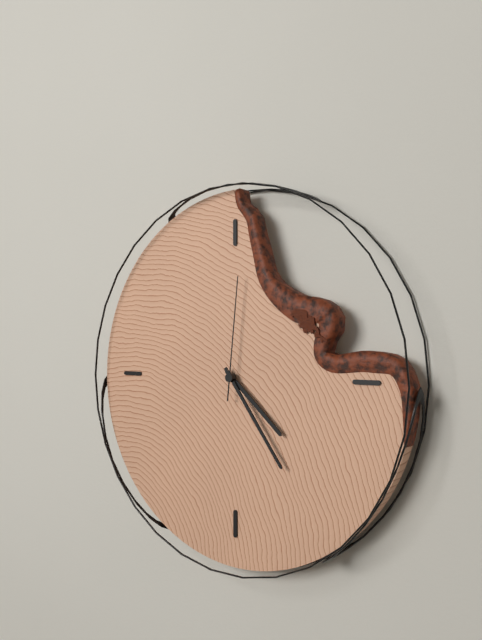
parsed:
4 h 24 min 01 s
